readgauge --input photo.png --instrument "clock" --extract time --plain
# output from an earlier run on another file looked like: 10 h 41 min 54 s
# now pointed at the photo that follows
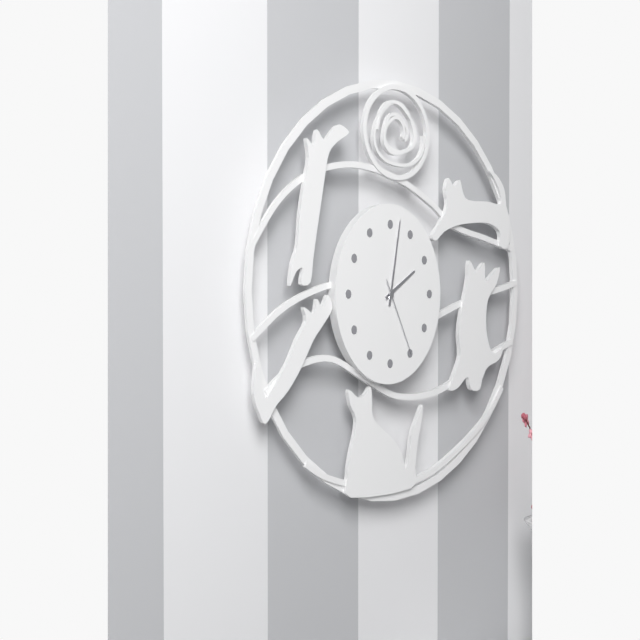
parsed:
2 h 02 min 25 s
